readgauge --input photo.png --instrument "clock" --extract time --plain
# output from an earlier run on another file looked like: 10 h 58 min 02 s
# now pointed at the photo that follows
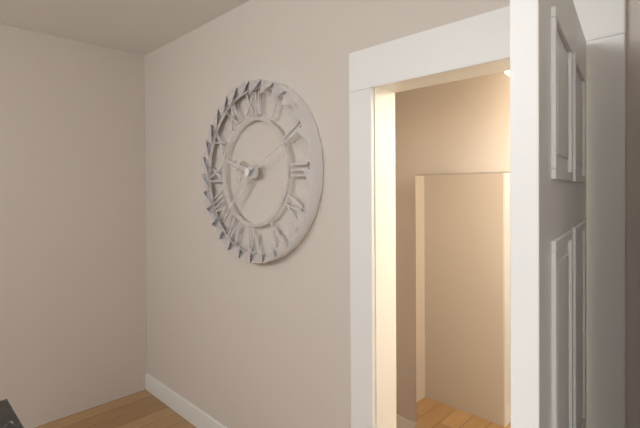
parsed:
9 h 37 min 11 s
